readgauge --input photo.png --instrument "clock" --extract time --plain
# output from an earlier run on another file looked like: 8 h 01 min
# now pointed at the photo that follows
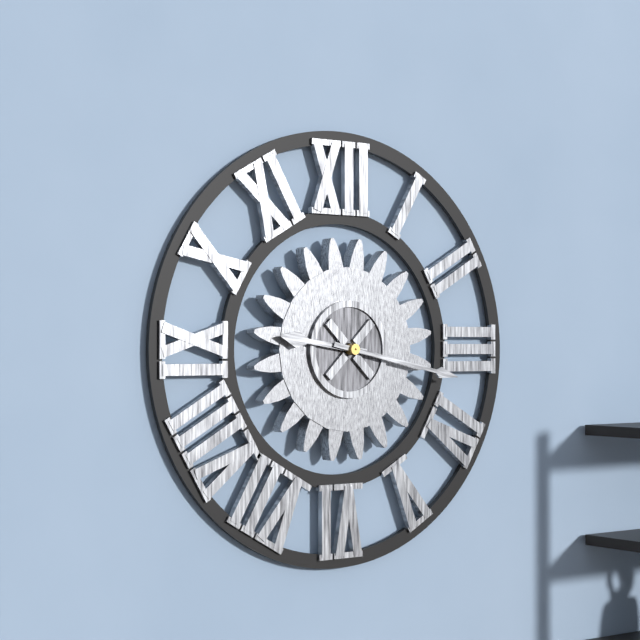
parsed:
9 h 17 min
